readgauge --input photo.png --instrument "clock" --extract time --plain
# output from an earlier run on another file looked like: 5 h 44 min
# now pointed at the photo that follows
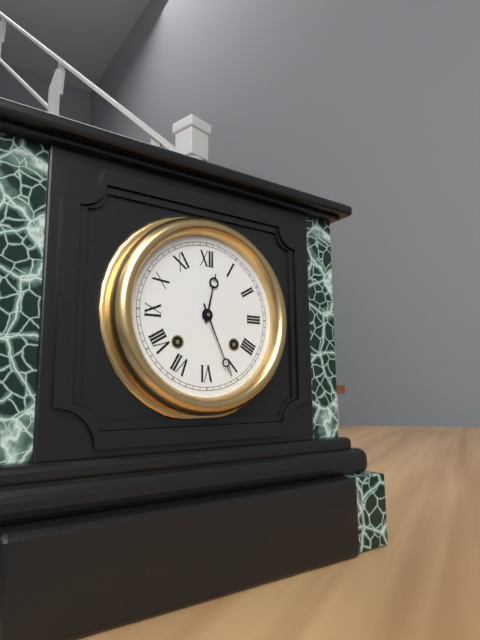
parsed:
12 h 26 min
